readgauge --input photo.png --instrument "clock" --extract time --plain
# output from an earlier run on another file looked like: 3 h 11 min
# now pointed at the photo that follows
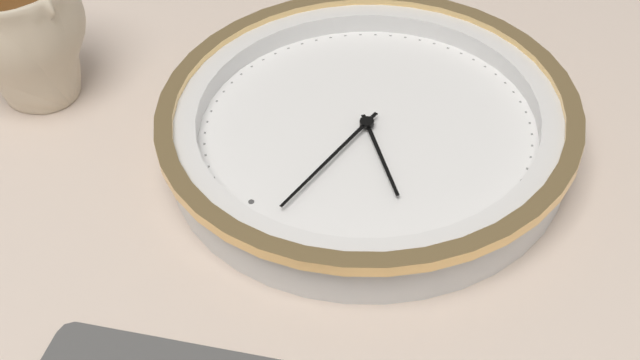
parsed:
9 h 58 min
